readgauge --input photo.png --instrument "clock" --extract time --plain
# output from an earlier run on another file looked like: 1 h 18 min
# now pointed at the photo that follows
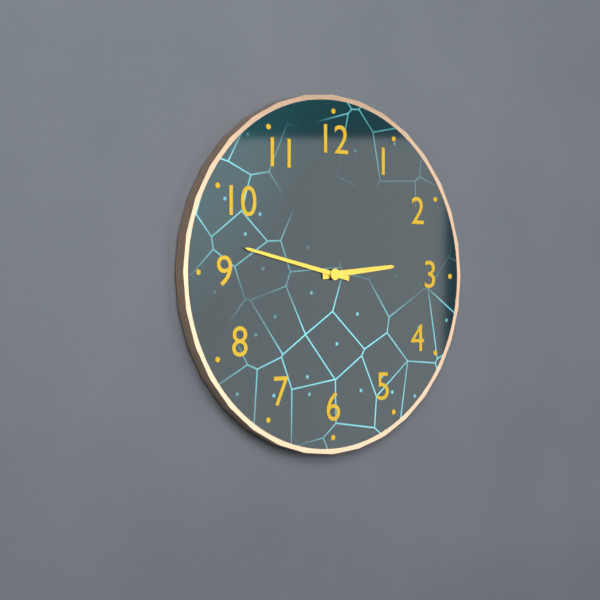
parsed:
2 h 47 min
